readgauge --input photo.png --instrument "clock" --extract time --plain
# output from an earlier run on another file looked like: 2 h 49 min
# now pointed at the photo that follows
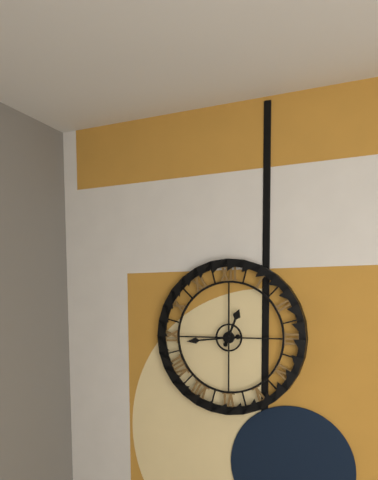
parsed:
12 h 44 min
